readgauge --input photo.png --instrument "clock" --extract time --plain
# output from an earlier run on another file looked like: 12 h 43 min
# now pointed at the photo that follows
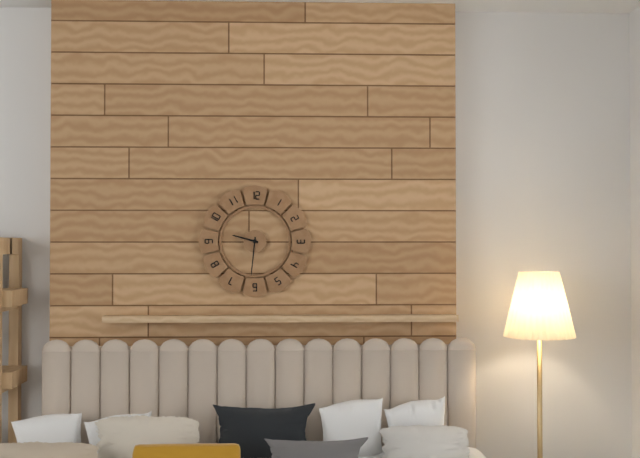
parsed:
9 h 31 min
